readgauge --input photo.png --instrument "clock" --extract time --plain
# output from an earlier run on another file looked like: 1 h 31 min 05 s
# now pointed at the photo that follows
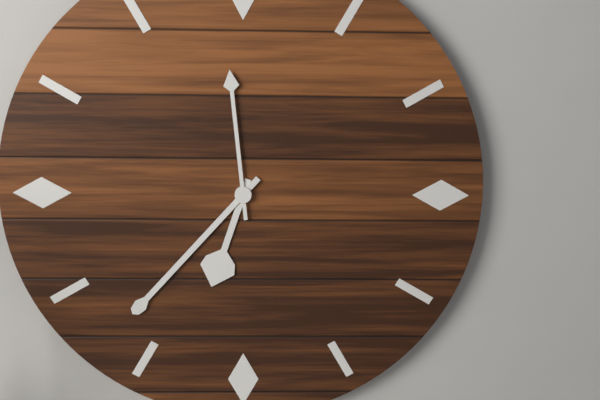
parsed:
6 h 37 min 59 s
